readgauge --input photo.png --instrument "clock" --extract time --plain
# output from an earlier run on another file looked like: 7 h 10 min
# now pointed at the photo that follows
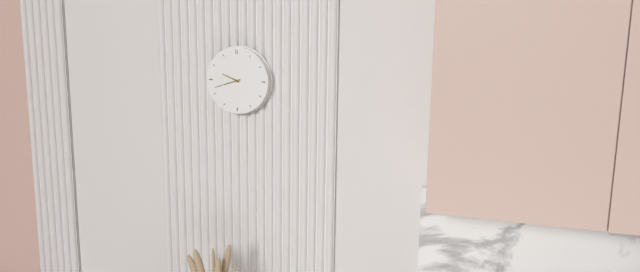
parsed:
9 h 42 min
